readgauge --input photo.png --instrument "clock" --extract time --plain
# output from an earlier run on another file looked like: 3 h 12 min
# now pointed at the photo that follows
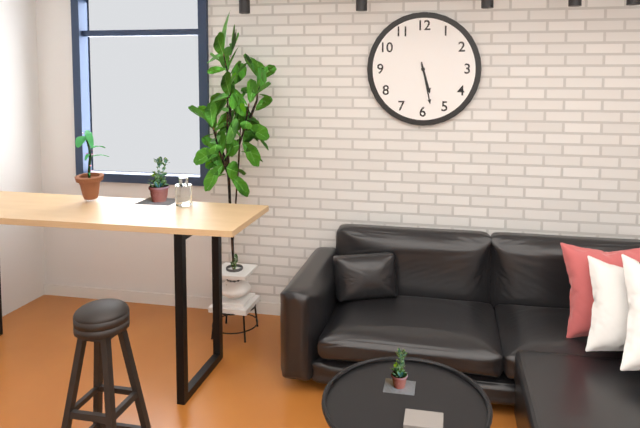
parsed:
5 h 28 min
